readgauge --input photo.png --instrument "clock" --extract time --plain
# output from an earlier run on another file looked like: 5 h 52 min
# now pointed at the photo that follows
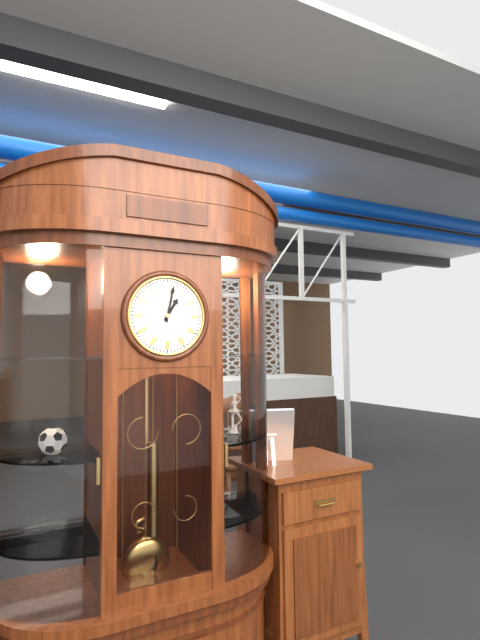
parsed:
1 h 02 min
